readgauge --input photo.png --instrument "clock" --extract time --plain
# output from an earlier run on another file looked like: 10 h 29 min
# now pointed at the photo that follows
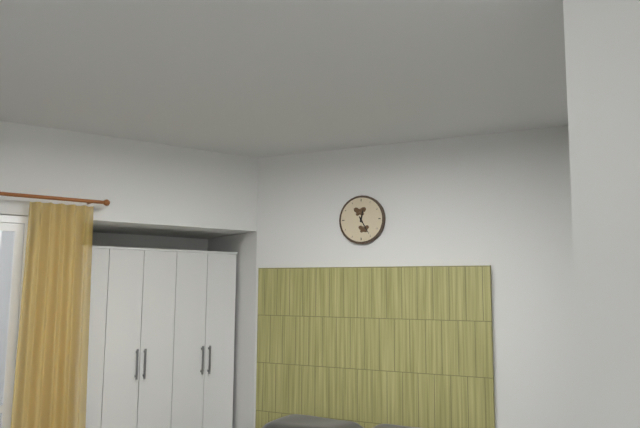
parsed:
12 h 25 min
